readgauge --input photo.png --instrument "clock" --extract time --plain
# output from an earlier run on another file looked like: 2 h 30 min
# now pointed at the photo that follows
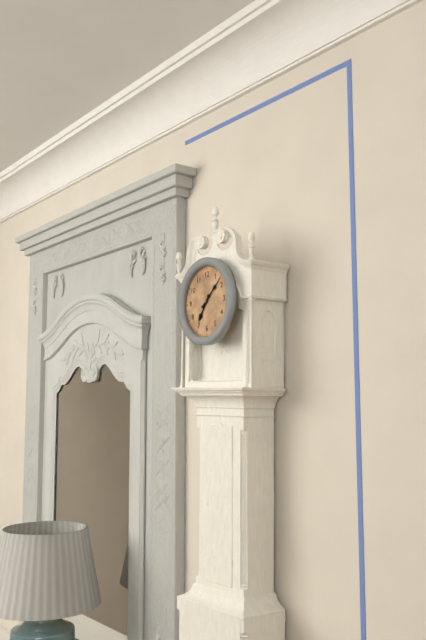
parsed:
7 h 08 min
